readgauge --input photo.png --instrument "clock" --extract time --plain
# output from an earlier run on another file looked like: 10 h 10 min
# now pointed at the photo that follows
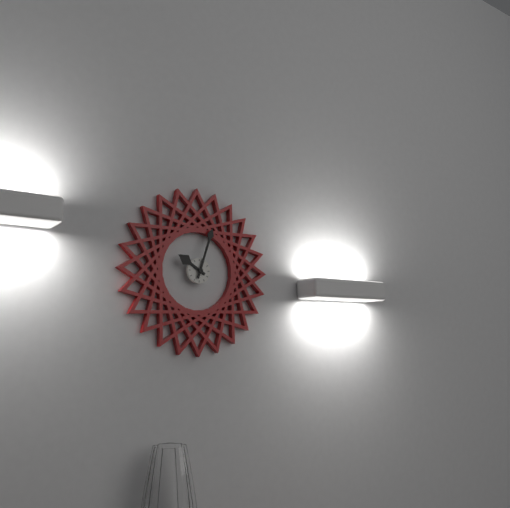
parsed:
10 h 03 min
